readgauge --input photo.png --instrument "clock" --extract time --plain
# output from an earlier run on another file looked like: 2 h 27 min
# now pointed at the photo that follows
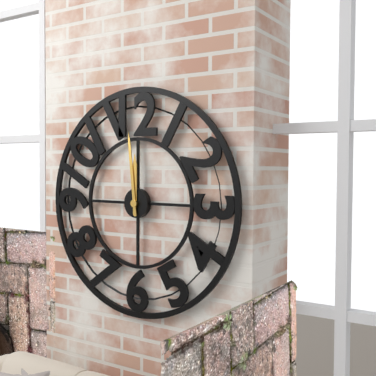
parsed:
11 h 59 min
